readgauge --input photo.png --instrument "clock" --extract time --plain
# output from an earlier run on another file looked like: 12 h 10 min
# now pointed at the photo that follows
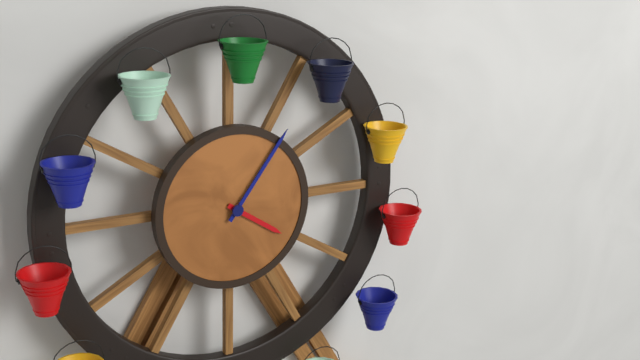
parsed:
4 h 06 min
